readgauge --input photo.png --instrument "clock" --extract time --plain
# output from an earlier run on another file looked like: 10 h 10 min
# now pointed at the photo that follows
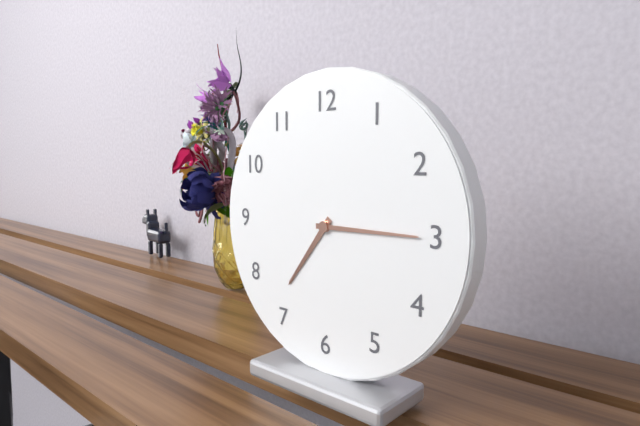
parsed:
7 h 15 min
